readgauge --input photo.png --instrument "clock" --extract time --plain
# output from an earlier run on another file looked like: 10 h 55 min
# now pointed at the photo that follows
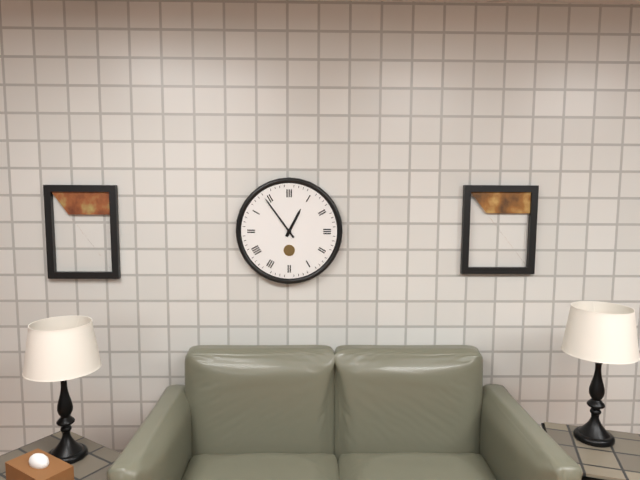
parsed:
12 h 54 min
